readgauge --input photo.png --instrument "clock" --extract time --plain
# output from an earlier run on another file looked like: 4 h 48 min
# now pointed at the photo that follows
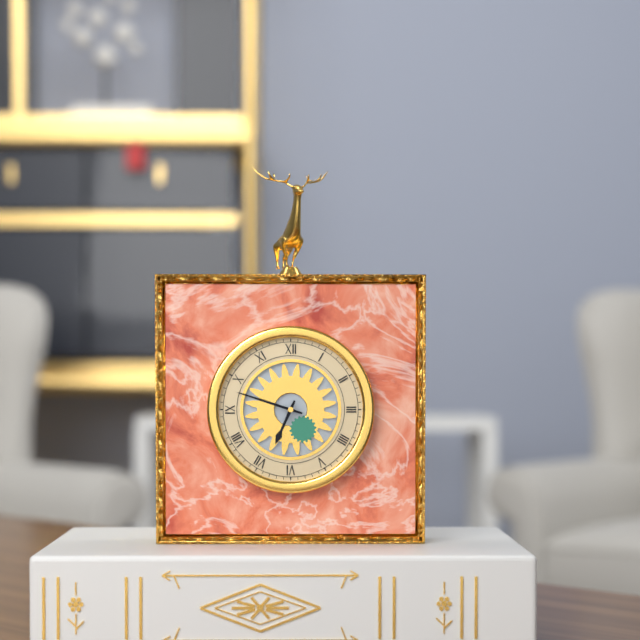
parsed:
6 h 48 min
